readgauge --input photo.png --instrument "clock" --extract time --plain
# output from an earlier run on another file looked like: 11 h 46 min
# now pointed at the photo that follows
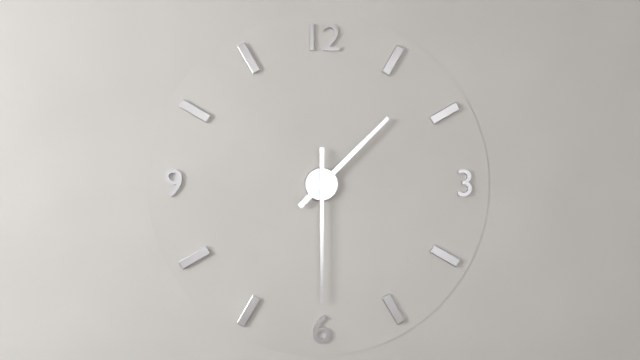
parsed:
1 h 30 min
